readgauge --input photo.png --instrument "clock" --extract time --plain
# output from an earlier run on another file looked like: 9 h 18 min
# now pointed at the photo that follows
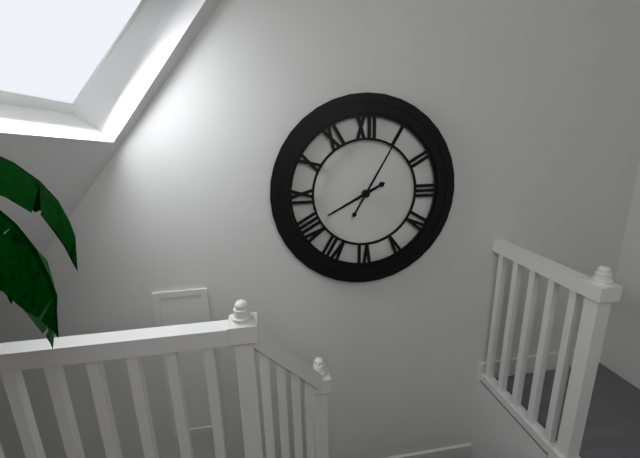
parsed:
8 h 05 min
